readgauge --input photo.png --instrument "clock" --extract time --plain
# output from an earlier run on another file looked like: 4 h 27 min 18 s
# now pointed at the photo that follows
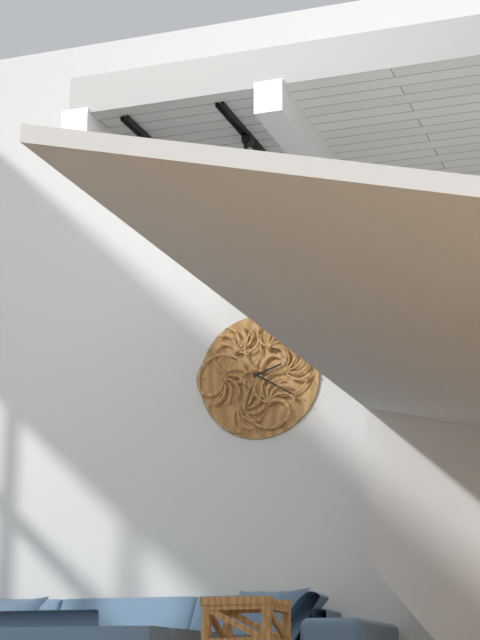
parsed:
2 h 20 min 33 s
